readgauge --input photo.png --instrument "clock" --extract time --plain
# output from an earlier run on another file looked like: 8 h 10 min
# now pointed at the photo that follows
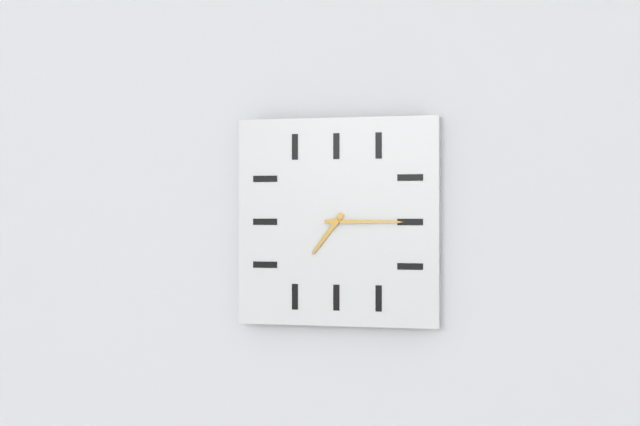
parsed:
7 h 15 min
